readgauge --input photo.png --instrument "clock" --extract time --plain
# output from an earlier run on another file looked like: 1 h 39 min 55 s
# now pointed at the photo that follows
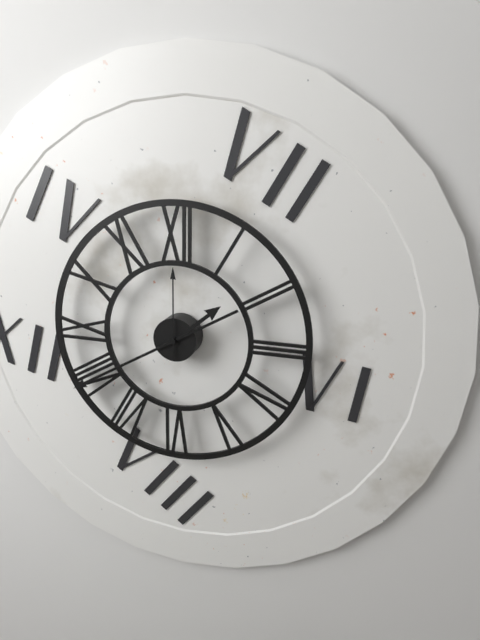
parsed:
1 h 40 min 00 s
